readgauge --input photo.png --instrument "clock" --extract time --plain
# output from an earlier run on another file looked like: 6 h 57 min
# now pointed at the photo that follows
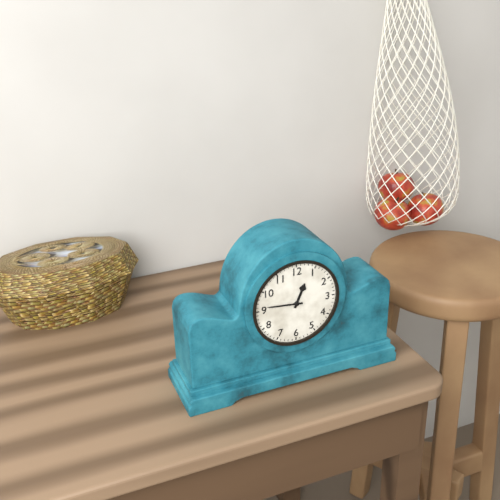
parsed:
12 h 46 min
